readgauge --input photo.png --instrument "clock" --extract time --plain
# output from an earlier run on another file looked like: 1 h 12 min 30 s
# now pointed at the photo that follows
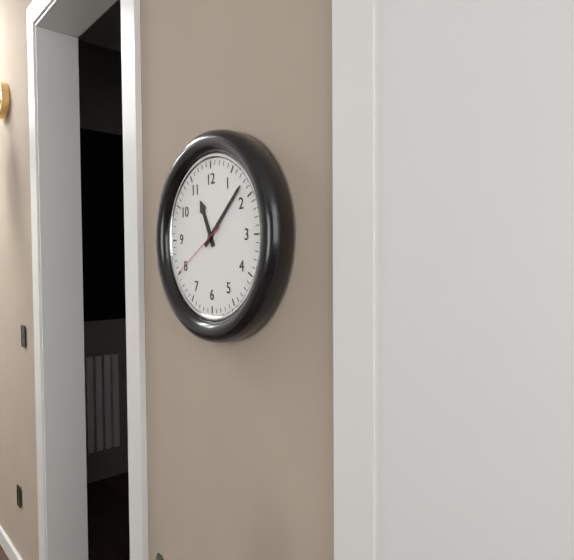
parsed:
11 h 08 min 40 s
